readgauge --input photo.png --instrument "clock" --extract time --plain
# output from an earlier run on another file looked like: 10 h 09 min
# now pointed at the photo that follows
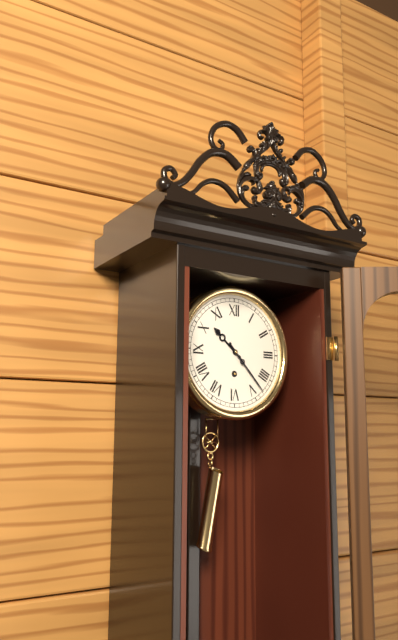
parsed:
10 h 23 min
